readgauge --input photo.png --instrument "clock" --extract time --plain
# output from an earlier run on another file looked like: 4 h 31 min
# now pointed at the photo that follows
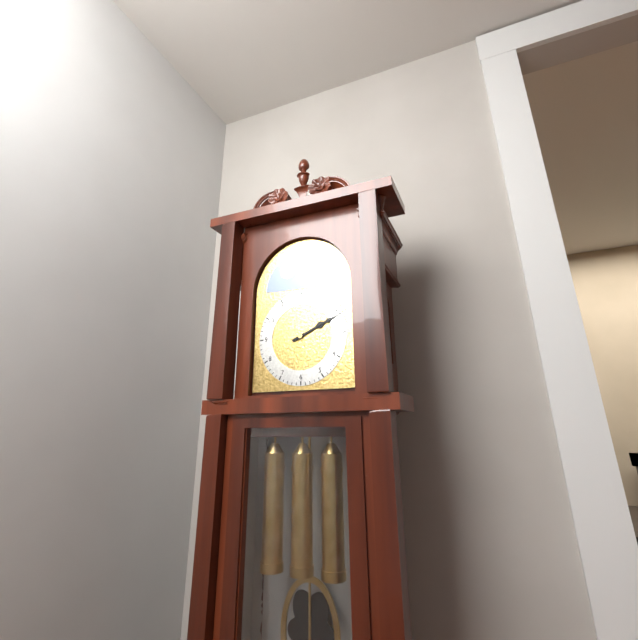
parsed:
2 h 11 min
